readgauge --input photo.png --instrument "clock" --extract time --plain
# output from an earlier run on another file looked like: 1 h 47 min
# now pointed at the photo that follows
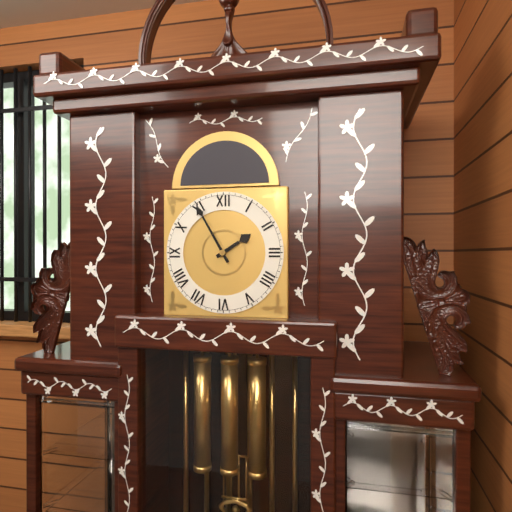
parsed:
1 h 55 min
